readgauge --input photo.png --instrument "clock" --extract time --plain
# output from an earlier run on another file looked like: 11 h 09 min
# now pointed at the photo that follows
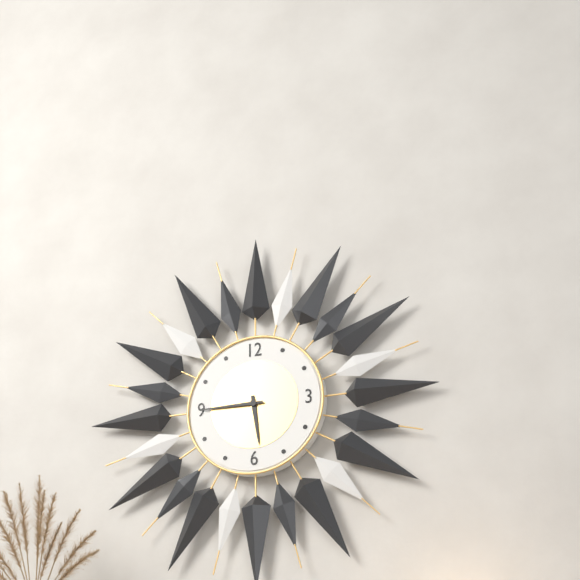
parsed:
5 h 45 min
